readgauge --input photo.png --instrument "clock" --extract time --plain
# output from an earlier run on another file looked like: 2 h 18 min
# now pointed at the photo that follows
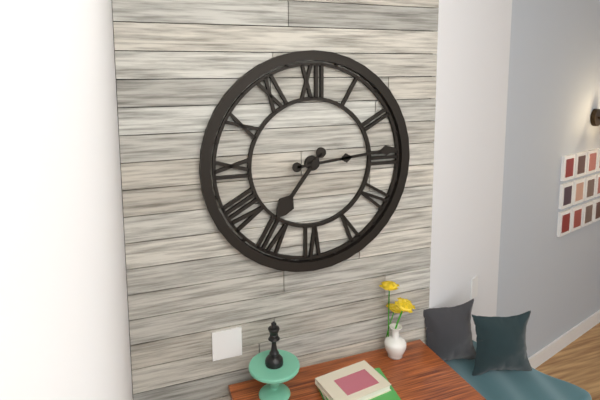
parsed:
7 h 14 min
